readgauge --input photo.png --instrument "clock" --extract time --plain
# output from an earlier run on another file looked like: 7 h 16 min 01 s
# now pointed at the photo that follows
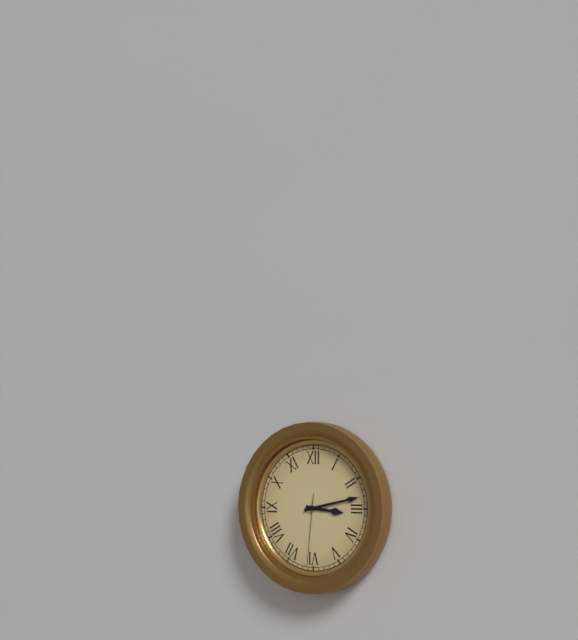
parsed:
3 h 13 min 31 s
